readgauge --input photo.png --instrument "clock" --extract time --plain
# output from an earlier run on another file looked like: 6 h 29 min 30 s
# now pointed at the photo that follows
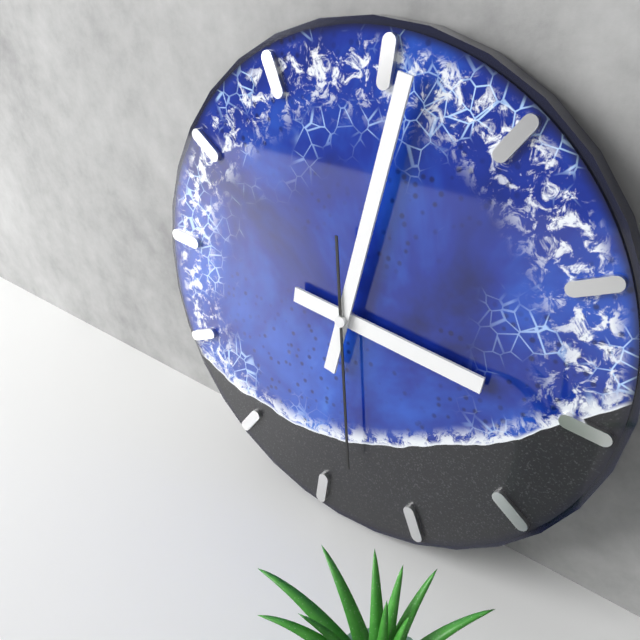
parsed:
3 h 01 min 28 s
